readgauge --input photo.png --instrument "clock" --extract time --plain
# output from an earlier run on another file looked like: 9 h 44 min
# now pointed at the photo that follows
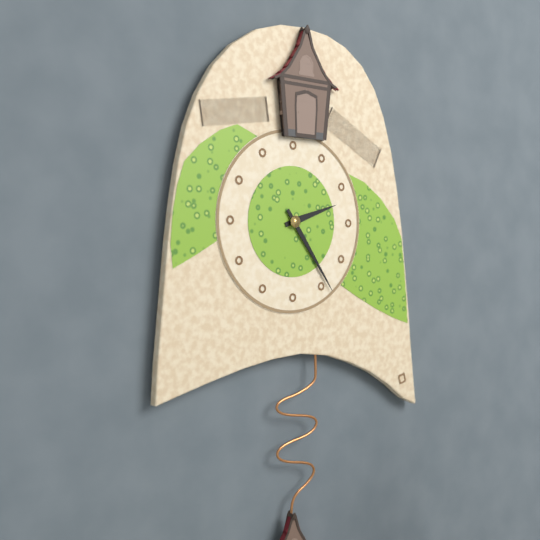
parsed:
2 h 24 min
